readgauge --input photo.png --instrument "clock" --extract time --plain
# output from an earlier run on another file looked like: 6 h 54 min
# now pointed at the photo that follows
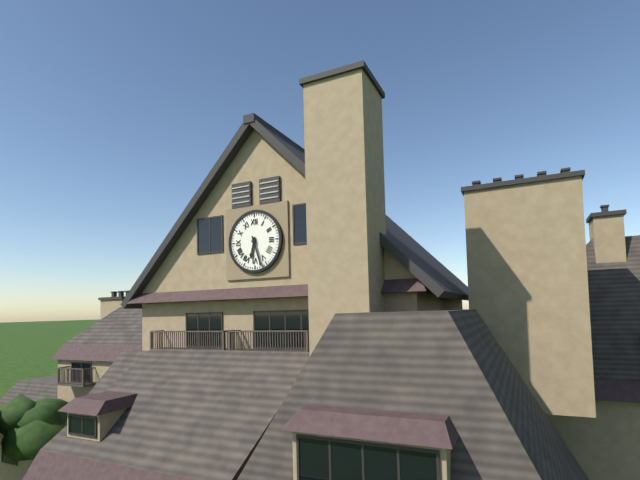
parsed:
6 h 27 min
